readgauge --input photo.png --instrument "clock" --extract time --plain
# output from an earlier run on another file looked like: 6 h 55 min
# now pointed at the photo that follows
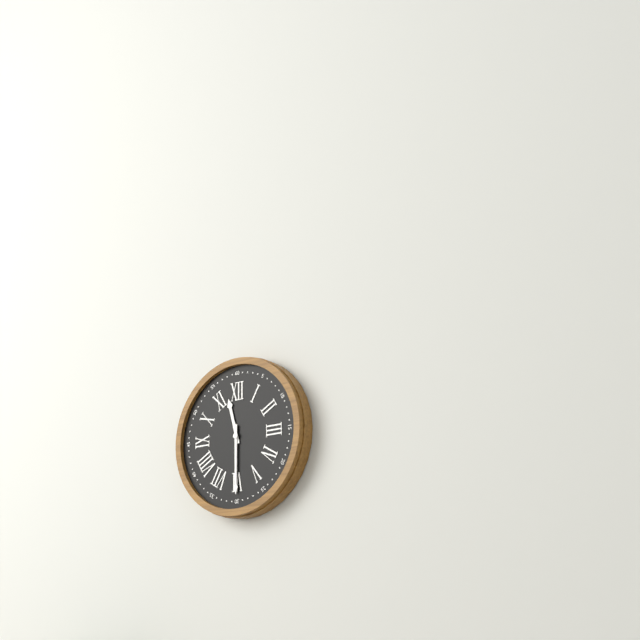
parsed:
11 h 30 min
